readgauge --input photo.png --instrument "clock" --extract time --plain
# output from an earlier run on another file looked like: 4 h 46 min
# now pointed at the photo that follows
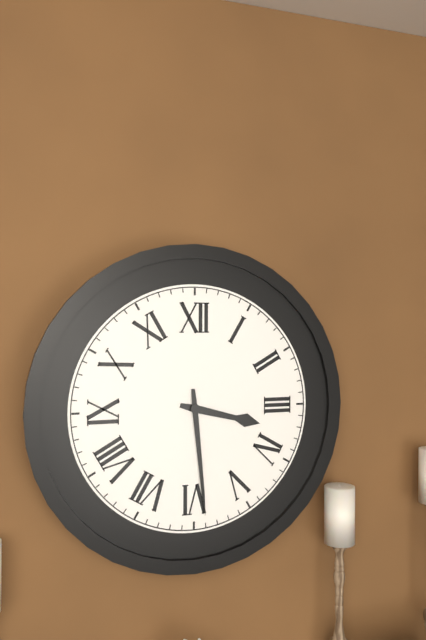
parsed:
3 h 29 min
